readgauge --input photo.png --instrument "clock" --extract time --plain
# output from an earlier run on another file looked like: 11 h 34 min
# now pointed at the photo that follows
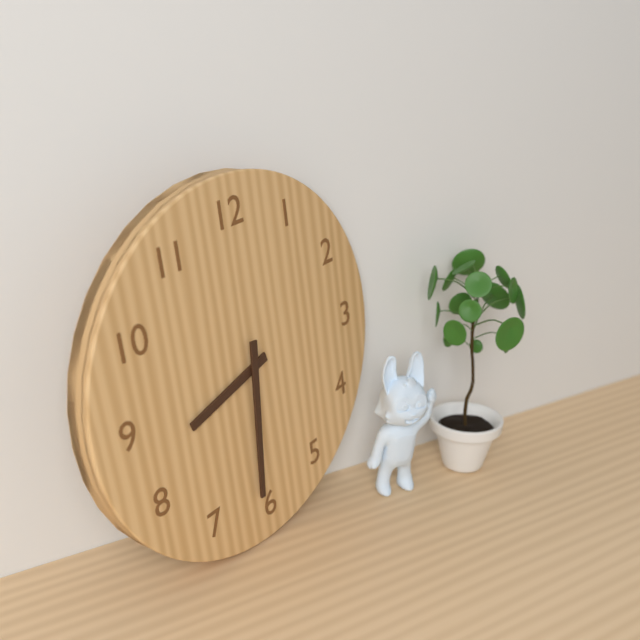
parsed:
8 h 31 min
